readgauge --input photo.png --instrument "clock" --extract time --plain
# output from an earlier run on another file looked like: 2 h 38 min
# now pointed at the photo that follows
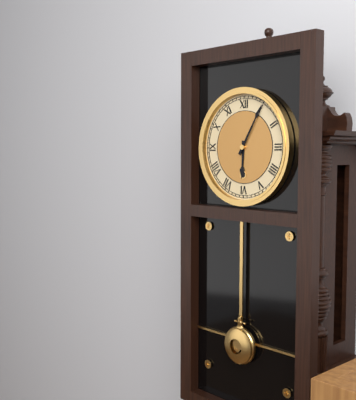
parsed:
6 h 05 min
